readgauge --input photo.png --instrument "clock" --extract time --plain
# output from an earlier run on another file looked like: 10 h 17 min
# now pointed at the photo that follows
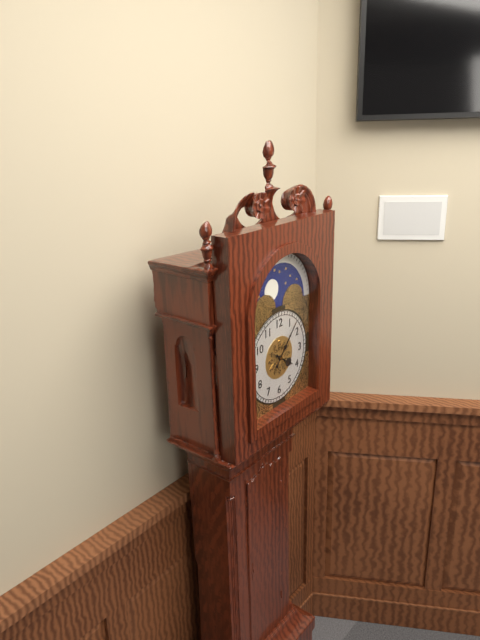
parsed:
4 h 07 min
